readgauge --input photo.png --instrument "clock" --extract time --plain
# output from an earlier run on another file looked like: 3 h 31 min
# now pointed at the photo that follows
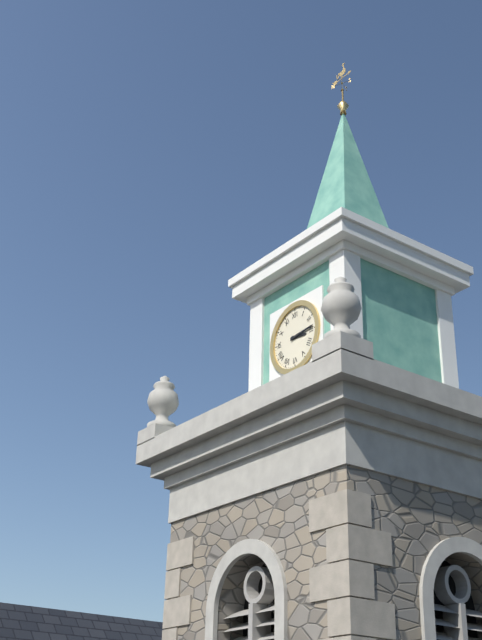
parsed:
3 h 14 min
